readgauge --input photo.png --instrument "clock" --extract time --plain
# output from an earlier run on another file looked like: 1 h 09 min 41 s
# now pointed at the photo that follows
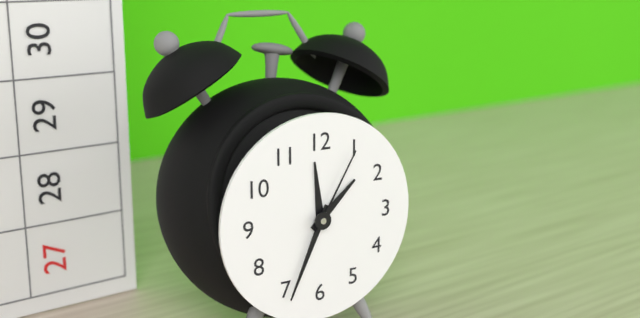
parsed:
1 h 34 min 05 s
